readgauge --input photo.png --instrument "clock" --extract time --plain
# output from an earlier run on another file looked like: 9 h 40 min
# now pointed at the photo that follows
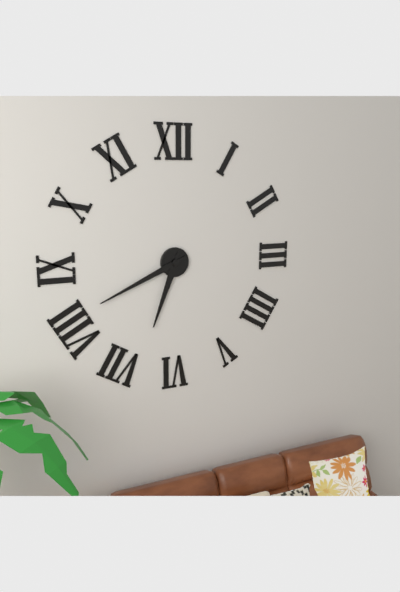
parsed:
6 h 41 min
